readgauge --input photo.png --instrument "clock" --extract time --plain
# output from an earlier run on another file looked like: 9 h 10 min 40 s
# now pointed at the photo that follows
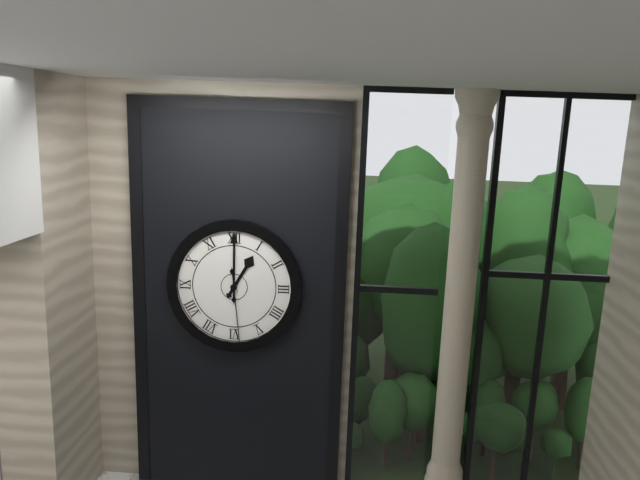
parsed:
1 h 00 min 29 s
